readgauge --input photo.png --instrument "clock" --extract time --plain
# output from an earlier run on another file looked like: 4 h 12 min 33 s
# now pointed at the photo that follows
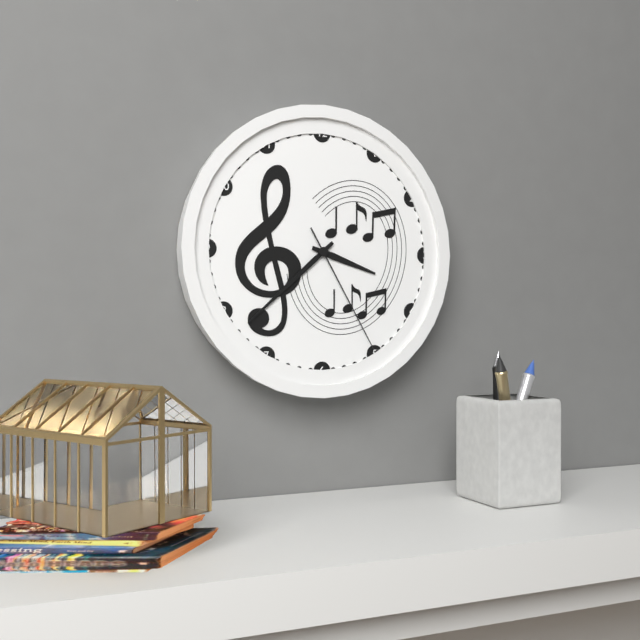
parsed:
3 h 38 min 25 s
